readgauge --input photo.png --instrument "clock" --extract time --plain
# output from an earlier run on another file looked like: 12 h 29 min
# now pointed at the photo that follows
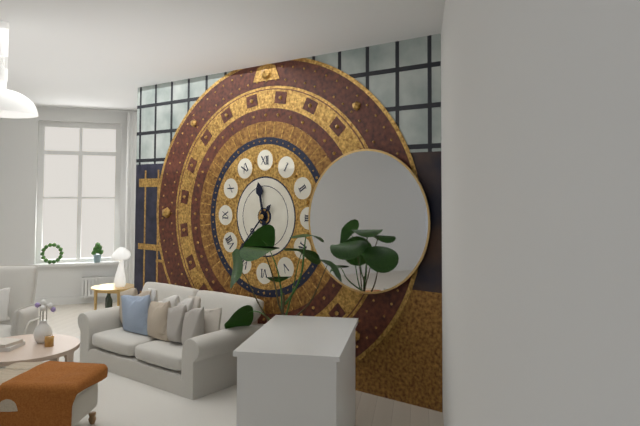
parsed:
11 h 37 min
